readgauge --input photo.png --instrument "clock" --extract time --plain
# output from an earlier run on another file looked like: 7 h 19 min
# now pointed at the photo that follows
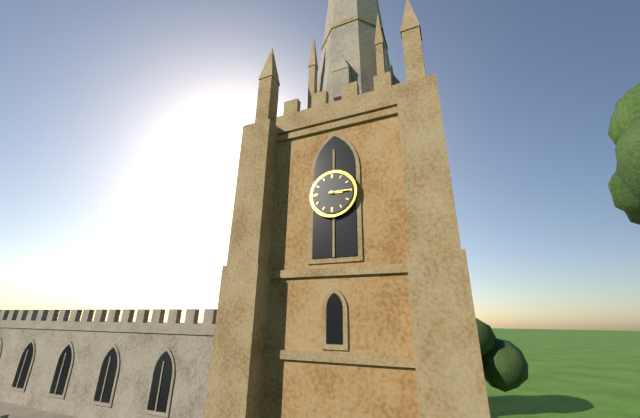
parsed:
3 h 15 min
